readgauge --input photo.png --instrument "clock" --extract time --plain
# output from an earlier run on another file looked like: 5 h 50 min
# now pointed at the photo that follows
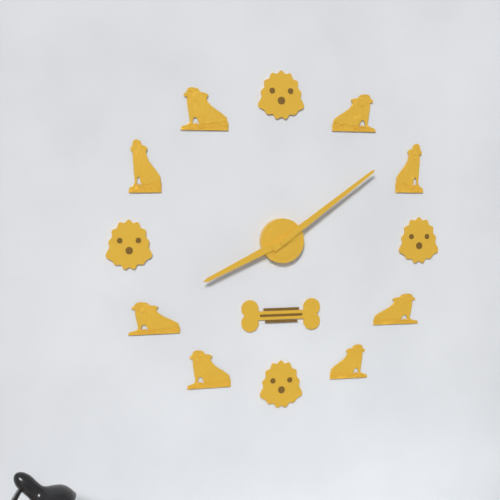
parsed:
8 h 09 min
